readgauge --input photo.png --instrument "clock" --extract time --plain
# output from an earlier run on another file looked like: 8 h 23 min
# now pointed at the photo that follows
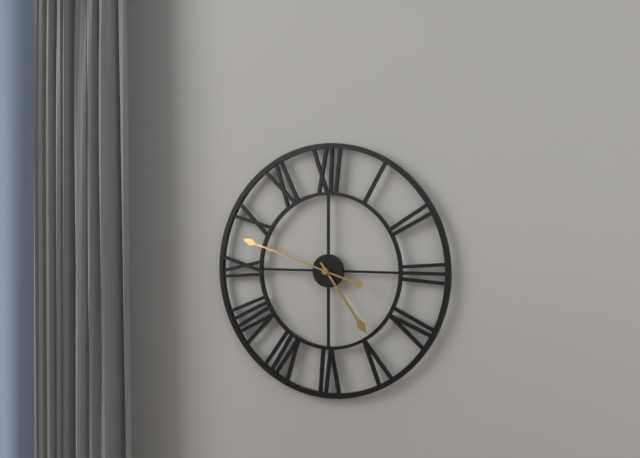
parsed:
4 h 48 min
